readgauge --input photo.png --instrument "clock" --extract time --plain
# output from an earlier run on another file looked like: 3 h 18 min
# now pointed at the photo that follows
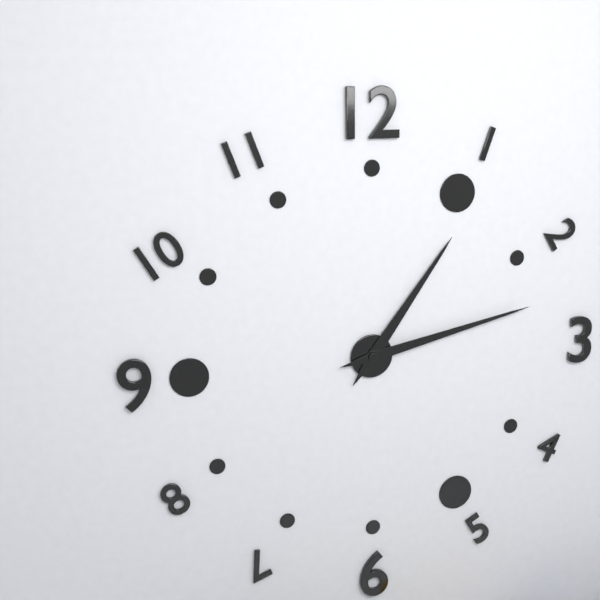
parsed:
1 h 13 min
